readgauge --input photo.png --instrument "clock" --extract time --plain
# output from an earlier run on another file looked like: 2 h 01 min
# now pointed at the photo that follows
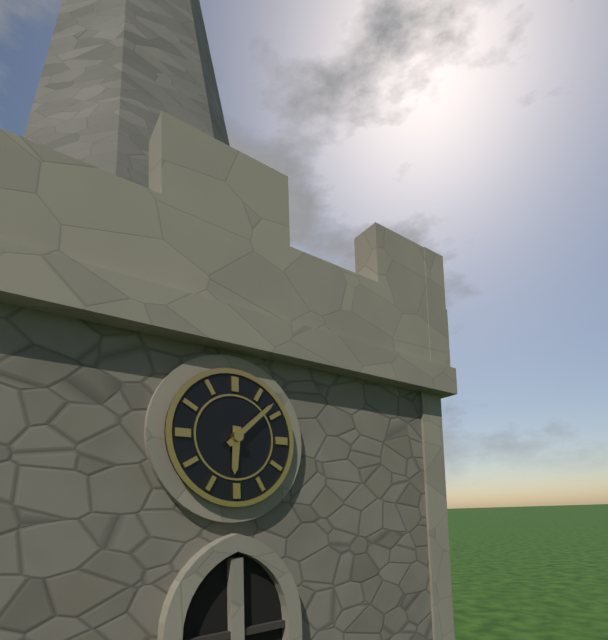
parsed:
6 h 08 min
